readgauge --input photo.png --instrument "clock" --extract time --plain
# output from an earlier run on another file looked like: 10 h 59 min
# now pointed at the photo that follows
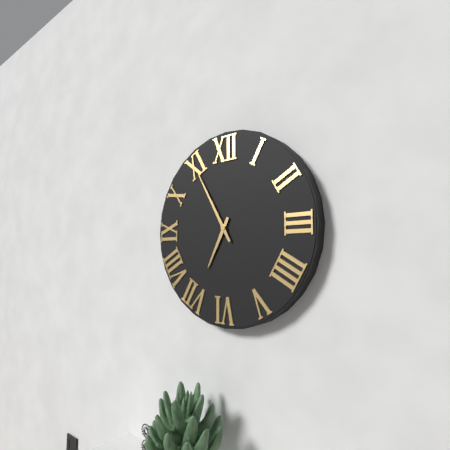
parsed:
6 h 55 min
